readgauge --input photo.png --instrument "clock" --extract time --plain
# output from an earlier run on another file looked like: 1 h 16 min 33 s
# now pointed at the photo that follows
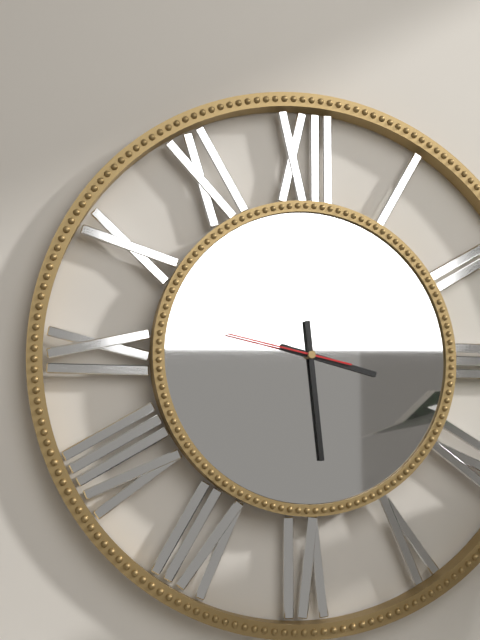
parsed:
3 h 29 min 47 s
